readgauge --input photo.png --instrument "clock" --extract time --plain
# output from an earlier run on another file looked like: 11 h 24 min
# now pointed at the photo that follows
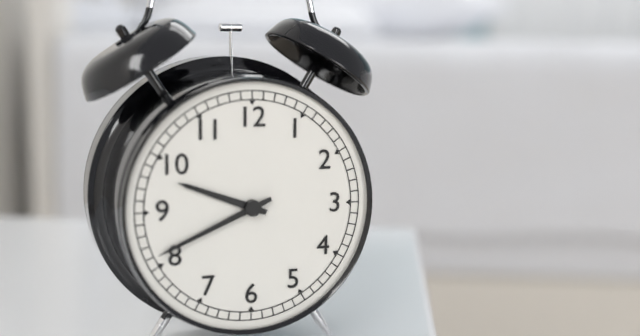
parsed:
9 h 41 min
